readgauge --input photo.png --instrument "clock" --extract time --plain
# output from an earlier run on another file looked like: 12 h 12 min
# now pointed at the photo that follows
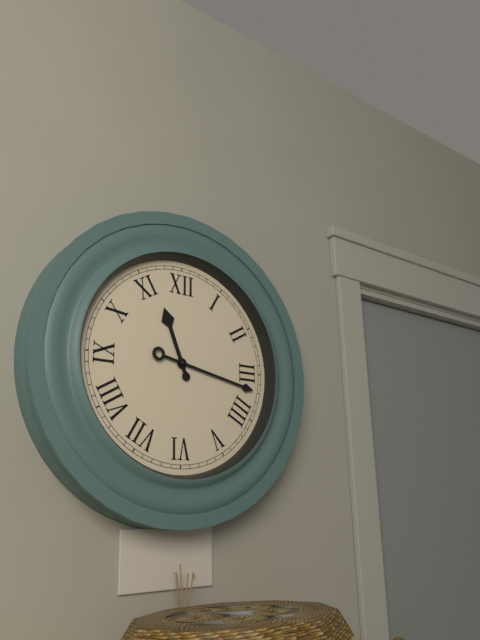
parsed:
11 h 17 min
